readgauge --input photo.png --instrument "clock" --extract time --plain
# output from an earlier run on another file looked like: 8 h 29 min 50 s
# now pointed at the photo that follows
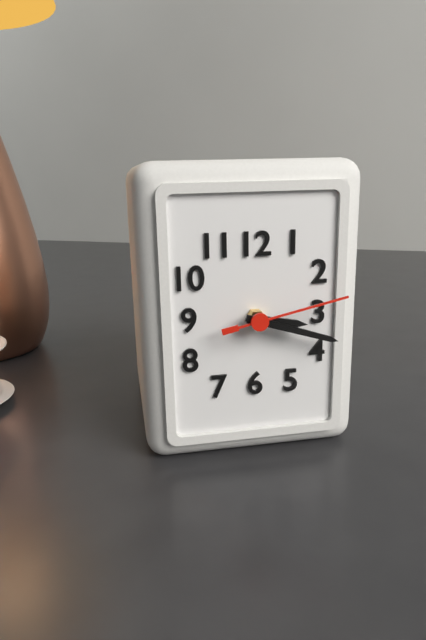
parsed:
3 h 18 min 13 s
